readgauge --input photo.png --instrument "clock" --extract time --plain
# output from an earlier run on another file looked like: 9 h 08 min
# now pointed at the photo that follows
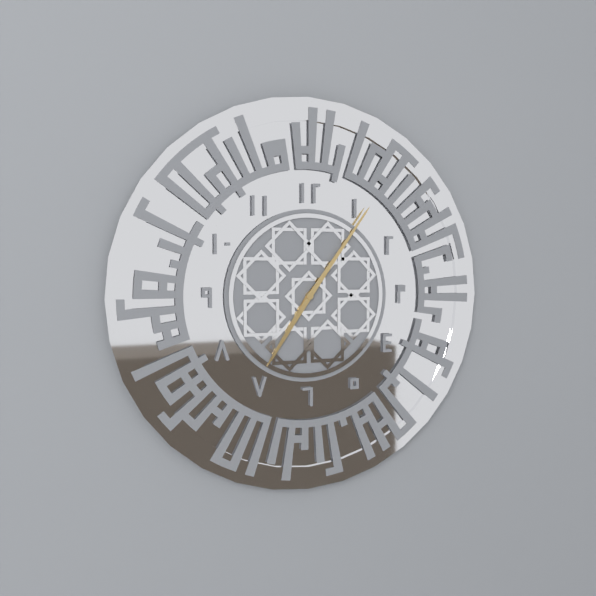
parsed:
7 h 06 min
